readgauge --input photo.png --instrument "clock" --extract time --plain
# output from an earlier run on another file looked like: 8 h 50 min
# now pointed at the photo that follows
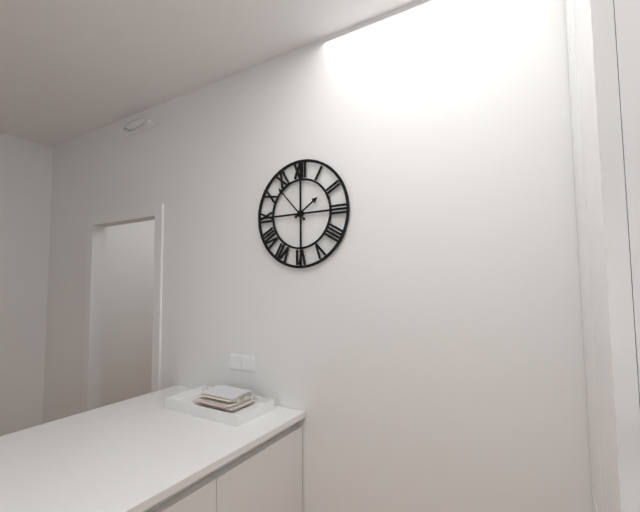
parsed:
1 h 53 min
